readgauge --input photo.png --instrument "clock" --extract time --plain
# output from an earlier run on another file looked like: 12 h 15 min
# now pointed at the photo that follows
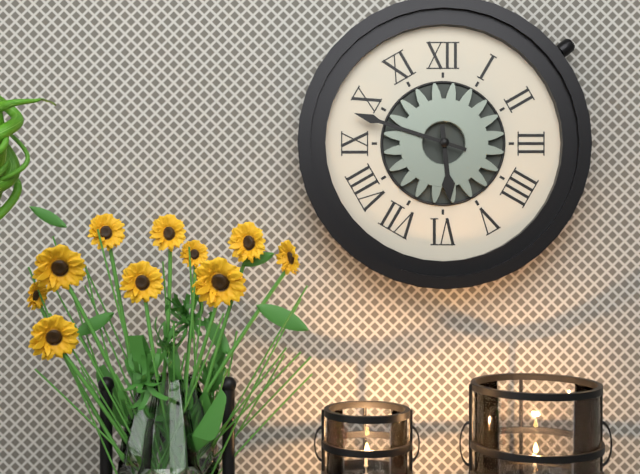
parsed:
5 h 48 min
